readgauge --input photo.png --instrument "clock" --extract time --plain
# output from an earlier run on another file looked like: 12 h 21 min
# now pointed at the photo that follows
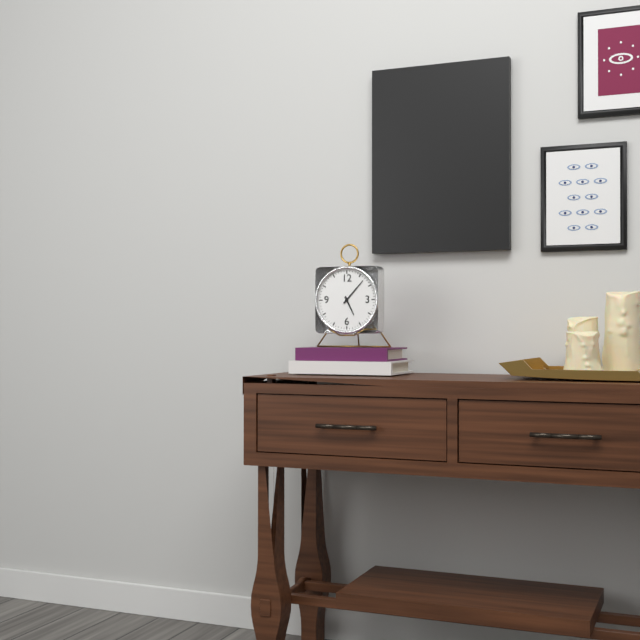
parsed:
5 h 07 min
